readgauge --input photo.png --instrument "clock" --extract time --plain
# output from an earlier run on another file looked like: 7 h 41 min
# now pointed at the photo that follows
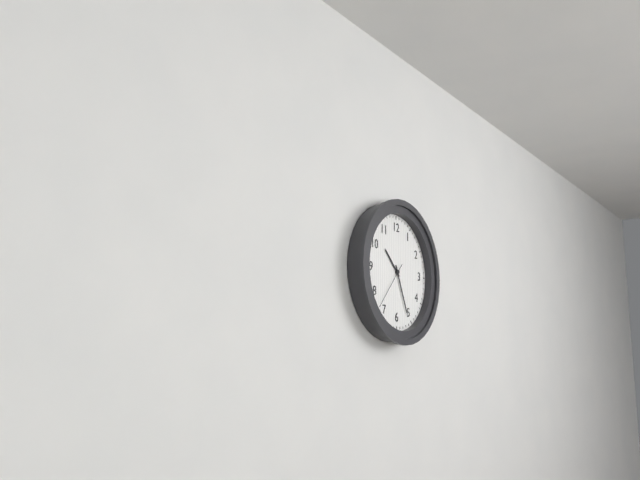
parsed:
10 h 26 min
